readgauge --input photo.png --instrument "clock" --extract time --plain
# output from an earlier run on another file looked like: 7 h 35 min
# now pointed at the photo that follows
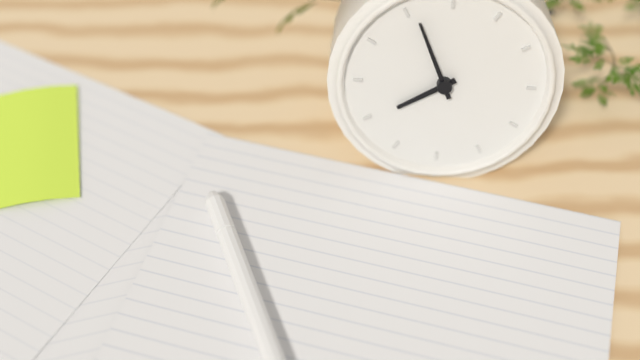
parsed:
7 h 56 min
